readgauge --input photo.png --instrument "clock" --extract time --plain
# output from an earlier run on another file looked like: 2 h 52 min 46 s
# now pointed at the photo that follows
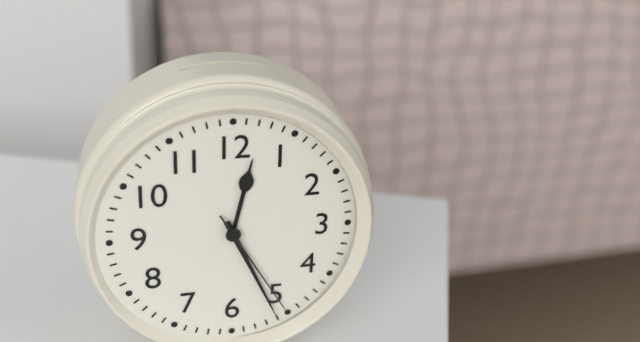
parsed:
12 h 26 min 25 s
